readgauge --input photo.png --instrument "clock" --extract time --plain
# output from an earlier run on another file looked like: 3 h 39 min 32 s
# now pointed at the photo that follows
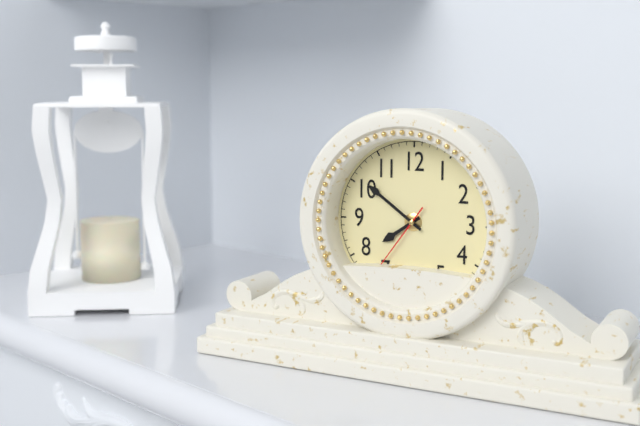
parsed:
7 h 51 min 36 s
